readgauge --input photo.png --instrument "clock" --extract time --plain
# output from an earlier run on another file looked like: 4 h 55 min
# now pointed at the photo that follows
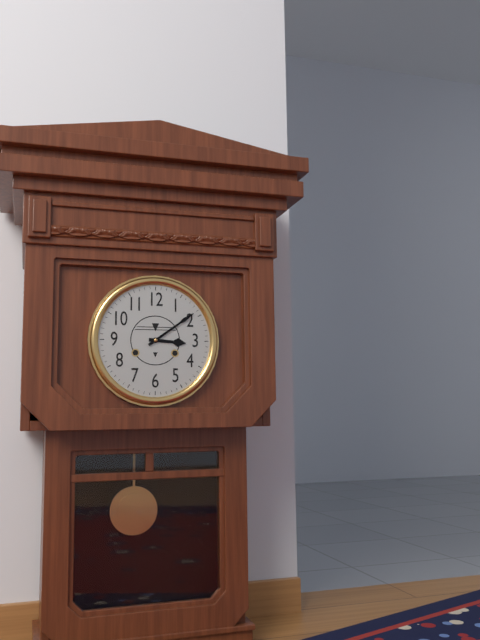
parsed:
3 h 09 min
